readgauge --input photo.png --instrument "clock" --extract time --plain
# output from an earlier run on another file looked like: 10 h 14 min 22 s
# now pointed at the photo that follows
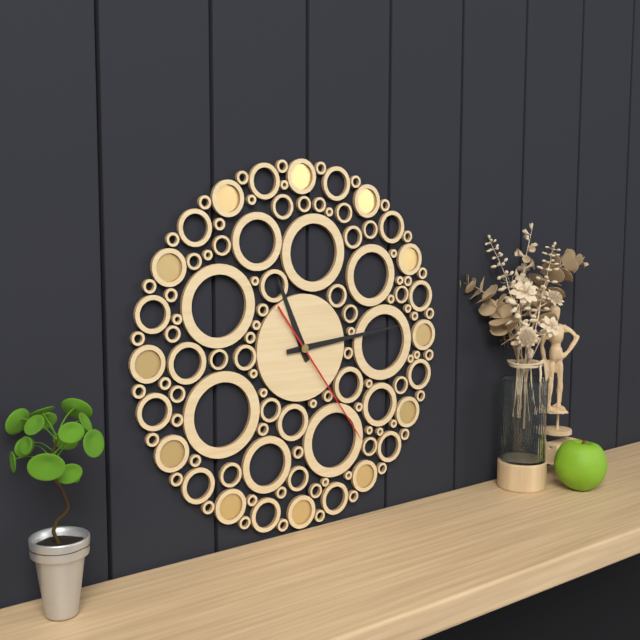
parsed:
11 h 14 min 24 s
